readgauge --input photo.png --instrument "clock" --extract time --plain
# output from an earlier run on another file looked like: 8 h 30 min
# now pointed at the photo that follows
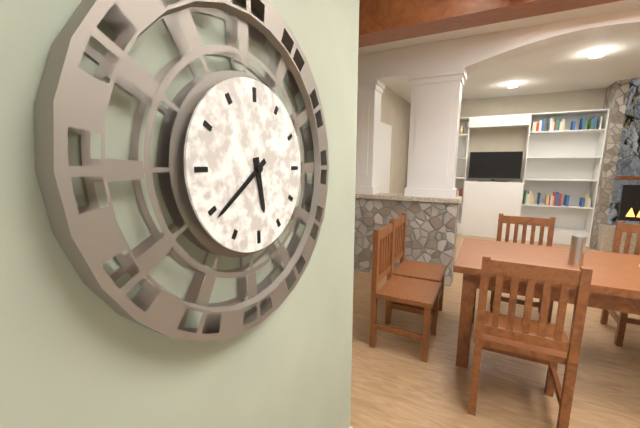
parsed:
5 h 39 min
